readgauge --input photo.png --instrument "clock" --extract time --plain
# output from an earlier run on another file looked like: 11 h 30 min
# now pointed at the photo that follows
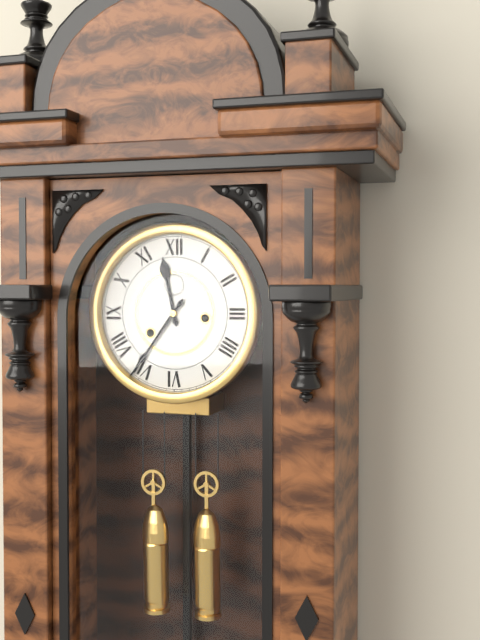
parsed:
11 h 36 min
